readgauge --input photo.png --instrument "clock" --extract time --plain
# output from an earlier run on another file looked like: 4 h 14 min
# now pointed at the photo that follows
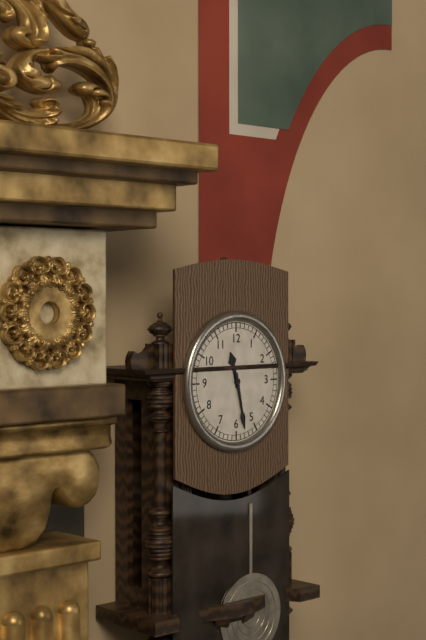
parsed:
11 h 28 min
